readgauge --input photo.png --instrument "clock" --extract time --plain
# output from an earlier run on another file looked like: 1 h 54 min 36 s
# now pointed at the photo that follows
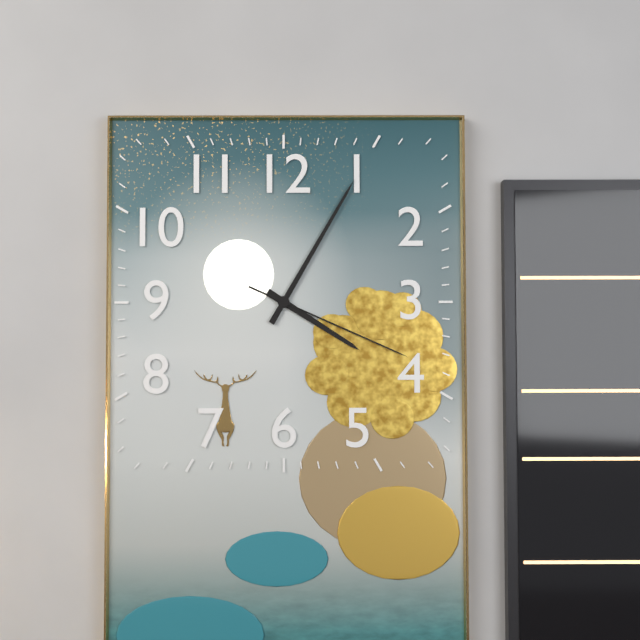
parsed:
4 h 05 min 19 s
